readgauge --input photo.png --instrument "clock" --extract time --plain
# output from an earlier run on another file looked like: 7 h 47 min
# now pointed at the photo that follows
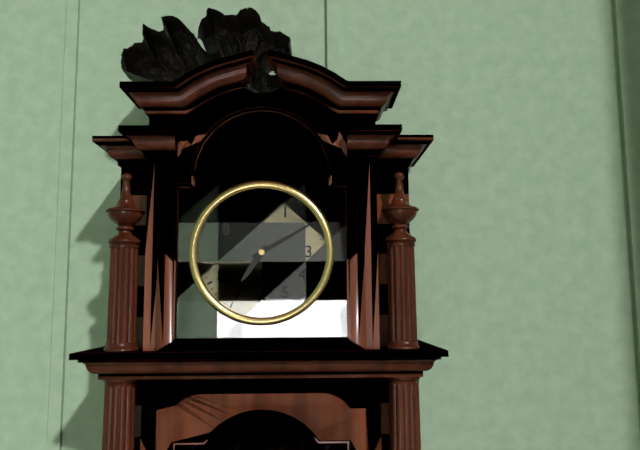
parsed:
7 h 10 min
